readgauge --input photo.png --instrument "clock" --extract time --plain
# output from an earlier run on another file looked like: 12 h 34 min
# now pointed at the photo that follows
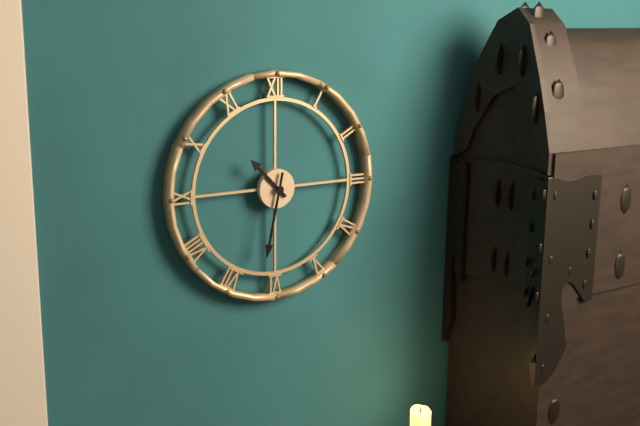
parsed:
10 h 32 min
